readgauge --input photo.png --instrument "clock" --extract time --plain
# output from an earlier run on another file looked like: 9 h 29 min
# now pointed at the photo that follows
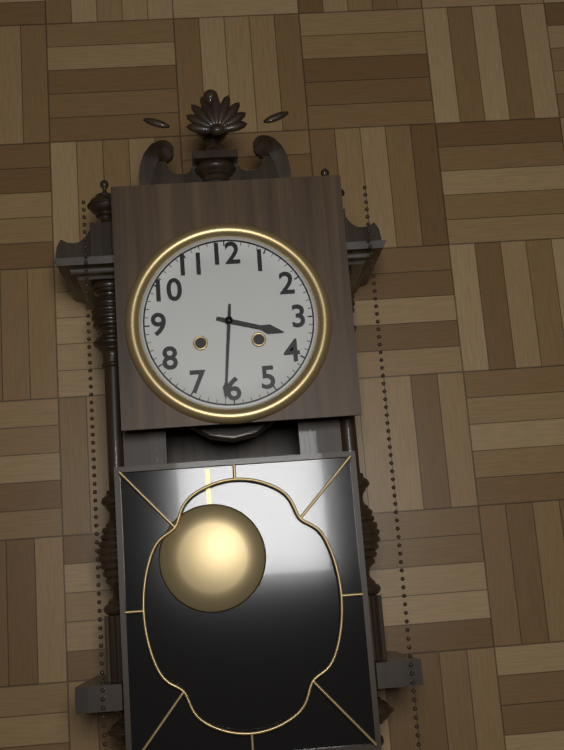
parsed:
3 h 31 min
